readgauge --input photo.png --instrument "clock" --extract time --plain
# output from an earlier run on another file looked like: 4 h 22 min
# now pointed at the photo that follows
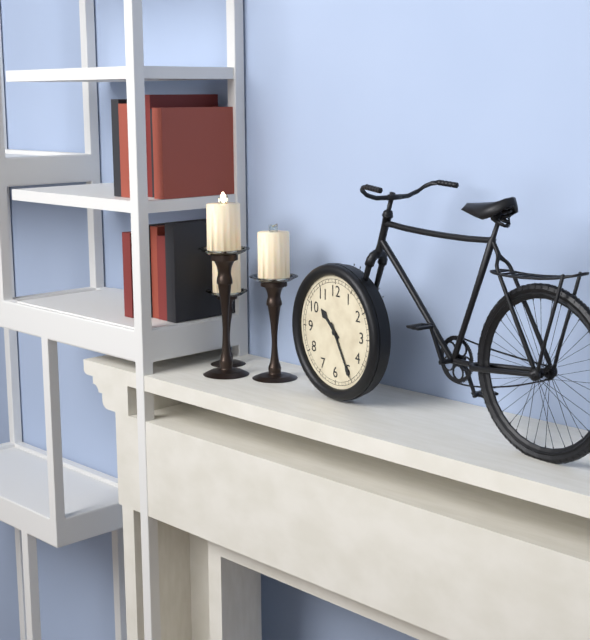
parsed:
10 h 25 min
